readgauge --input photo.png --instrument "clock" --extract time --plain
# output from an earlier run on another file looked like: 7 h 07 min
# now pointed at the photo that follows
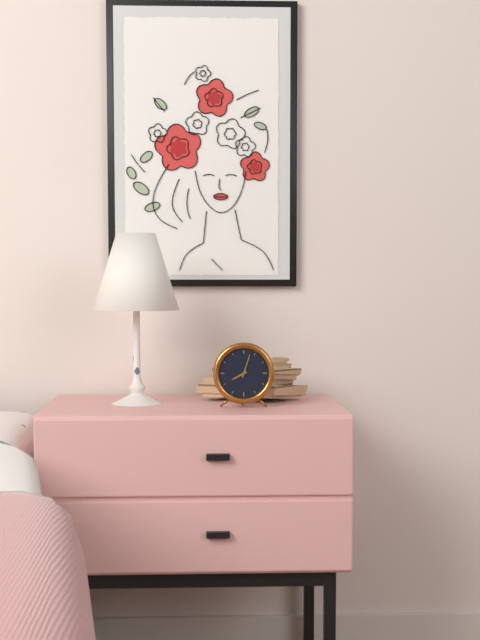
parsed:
8 h 03 min
